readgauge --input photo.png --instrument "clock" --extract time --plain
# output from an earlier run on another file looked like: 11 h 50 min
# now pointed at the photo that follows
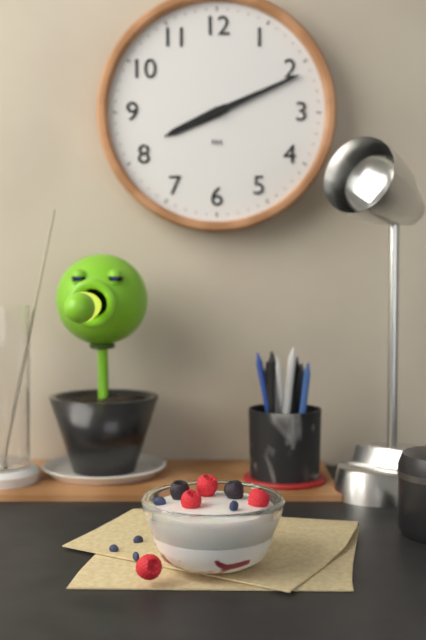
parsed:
8 h 11 min
